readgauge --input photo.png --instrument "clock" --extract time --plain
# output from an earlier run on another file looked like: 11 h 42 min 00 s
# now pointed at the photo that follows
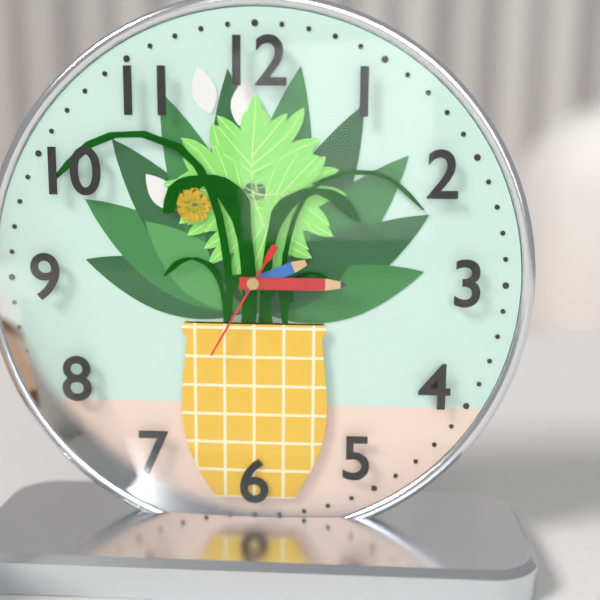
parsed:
2 h 15 min 35 s
